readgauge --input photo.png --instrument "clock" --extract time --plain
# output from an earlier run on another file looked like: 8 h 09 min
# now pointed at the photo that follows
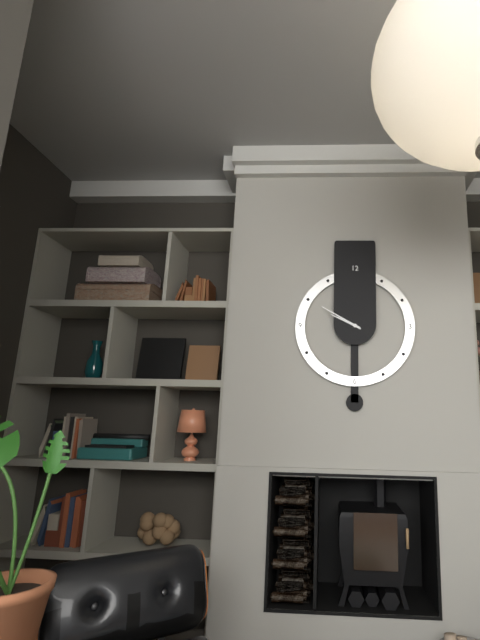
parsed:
9 h 50 min
